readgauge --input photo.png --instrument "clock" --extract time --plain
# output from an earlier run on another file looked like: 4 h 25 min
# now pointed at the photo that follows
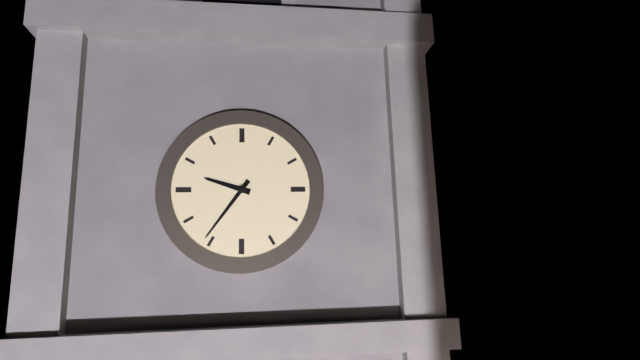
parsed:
9 h 36 min
